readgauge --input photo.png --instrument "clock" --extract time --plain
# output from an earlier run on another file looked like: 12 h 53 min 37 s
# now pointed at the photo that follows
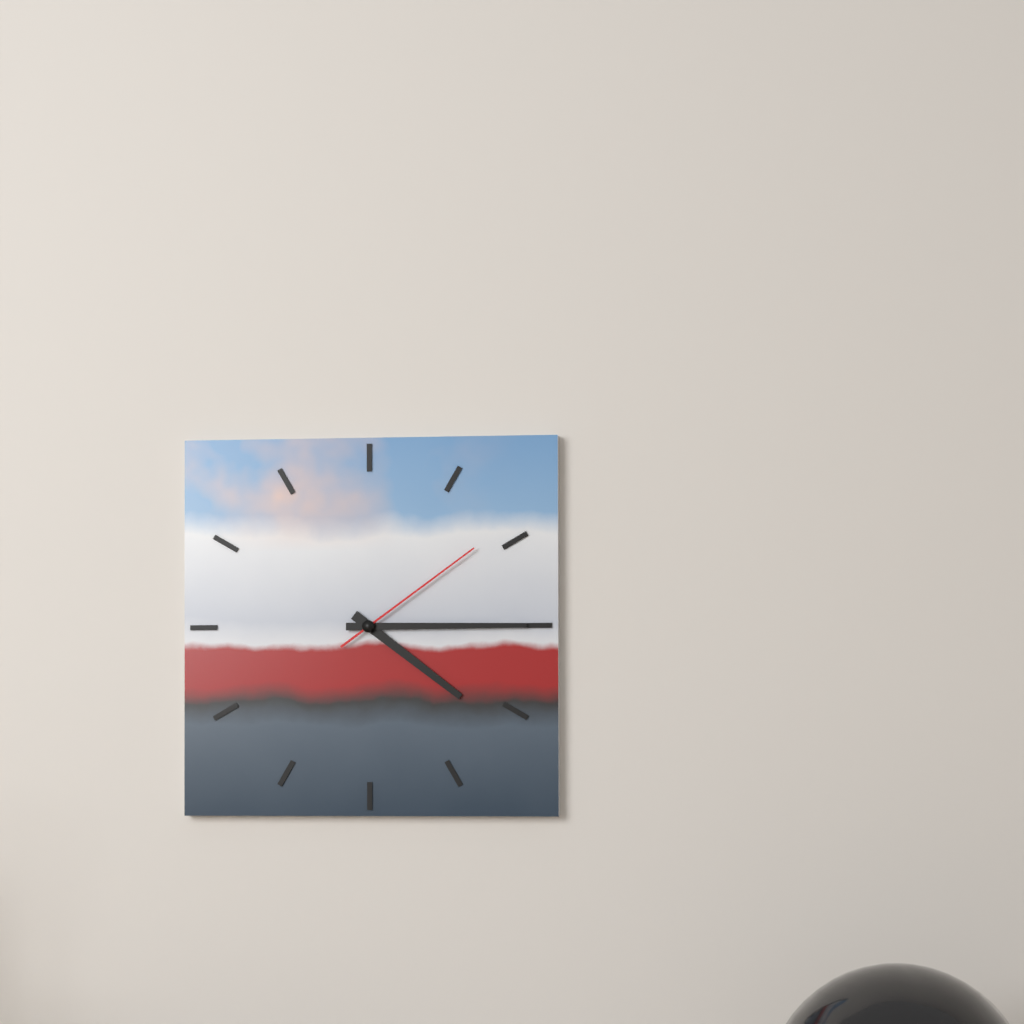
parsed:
4 h 15 min 09 s
